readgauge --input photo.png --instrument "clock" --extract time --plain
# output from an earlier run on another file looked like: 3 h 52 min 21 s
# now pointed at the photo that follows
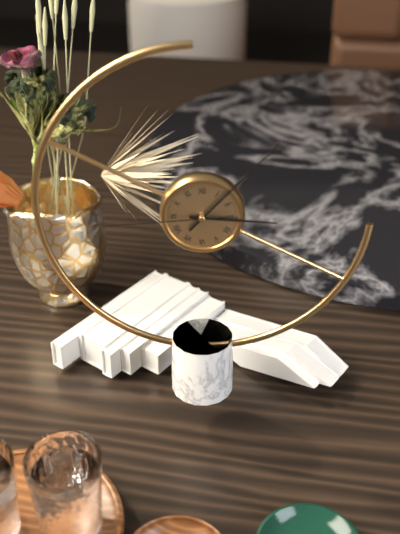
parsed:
3 h 07 min 44 s
